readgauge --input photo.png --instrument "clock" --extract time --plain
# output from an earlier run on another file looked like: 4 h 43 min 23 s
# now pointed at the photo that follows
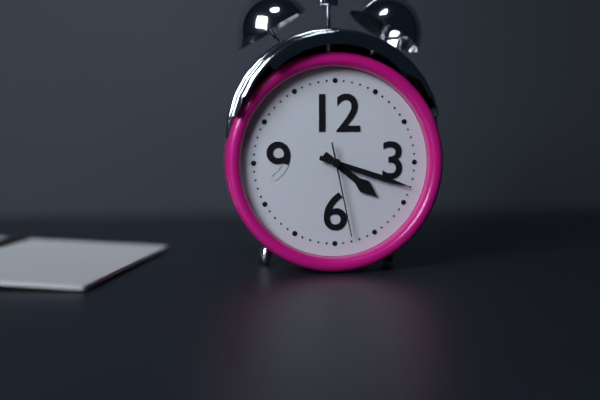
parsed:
4 h 18 min 28 s
